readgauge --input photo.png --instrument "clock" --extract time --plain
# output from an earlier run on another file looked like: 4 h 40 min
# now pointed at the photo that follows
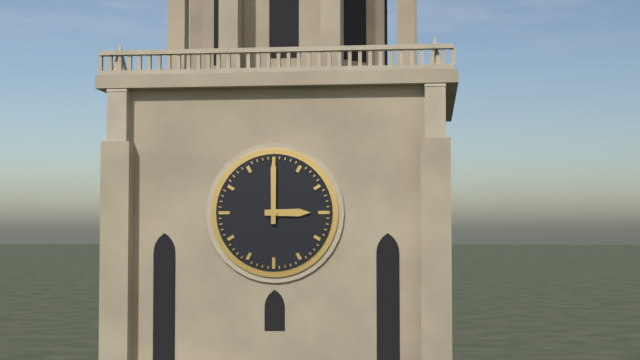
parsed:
3 h 00 min
